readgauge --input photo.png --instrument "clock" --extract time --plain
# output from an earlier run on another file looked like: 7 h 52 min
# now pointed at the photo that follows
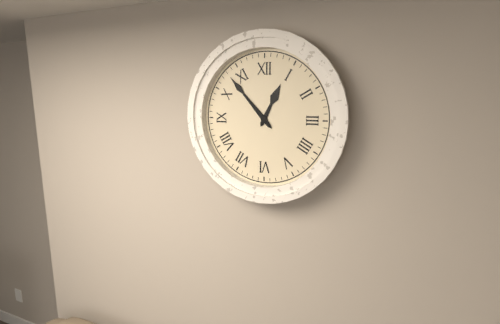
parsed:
12 h 53 min
